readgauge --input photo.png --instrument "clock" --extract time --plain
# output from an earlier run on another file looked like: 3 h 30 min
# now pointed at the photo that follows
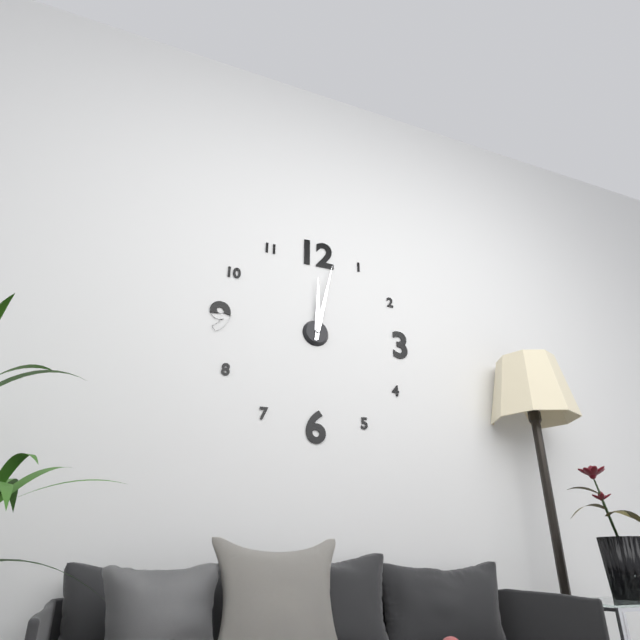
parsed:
12 h 02 min
